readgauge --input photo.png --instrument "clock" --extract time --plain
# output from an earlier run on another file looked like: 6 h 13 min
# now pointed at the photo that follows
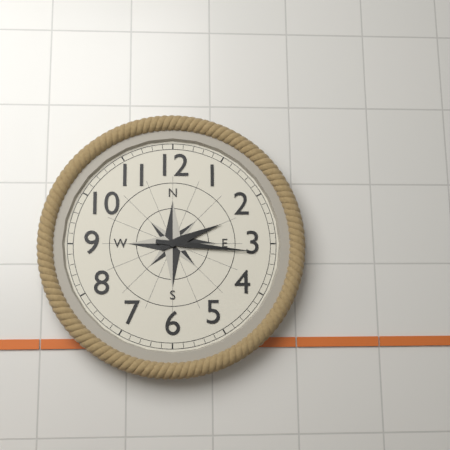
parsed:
2 h 16 min
